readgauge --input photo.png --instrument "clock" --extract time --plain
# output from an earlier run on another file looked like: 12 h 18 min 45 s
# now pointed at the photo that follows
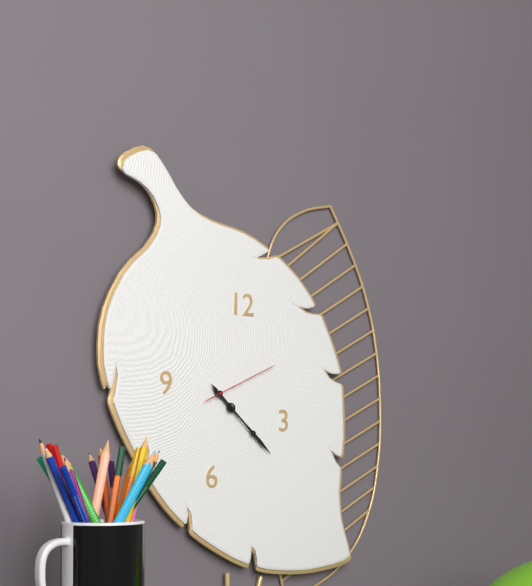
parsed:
4 h 22 min 11 s
